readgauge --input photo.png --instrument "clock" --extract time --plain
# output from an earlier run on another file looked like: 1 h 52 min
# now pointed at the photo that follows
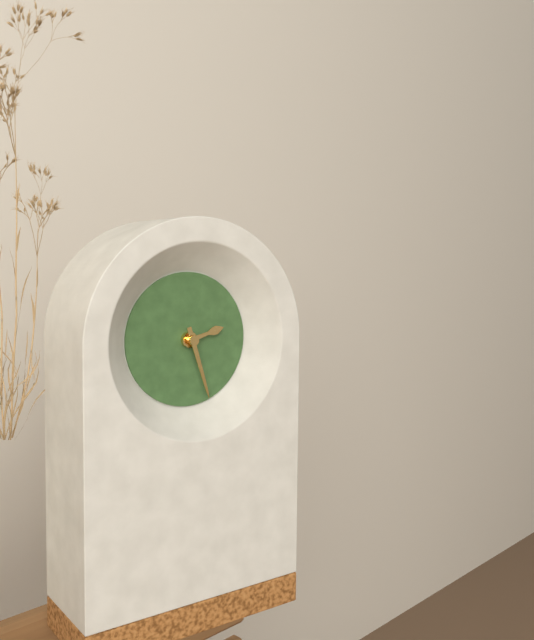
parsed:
2 h 27 min
